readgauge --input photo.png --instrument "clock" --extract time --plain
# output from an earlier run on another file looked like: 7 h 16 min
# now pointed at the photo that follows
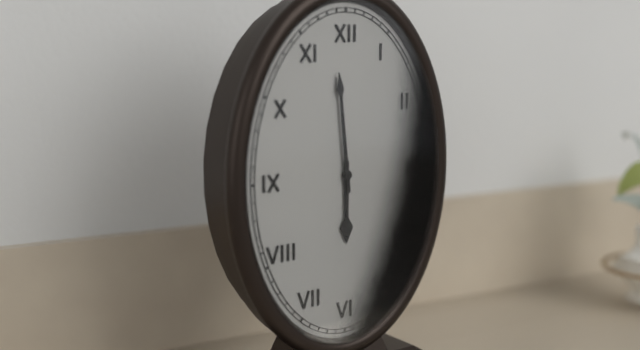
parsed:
5 h 59 min
